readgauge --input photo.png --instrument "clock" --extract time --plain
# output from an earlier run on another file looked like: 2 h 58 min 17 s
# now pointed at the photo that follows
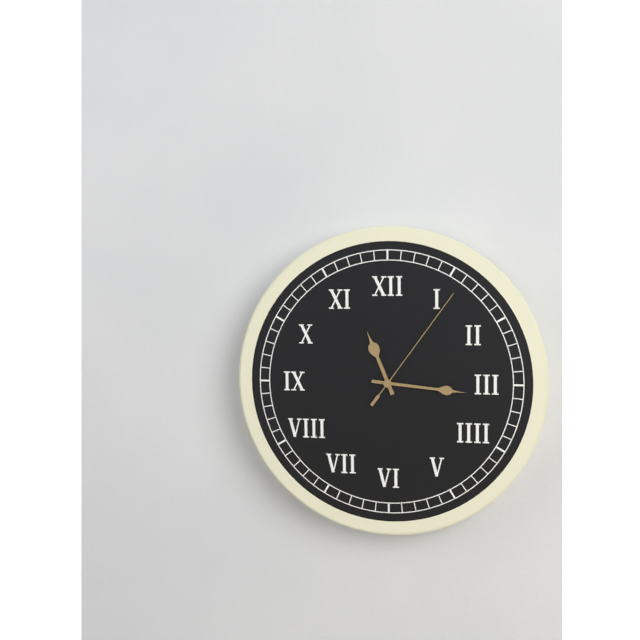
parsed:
11 h 16 min 06 s
